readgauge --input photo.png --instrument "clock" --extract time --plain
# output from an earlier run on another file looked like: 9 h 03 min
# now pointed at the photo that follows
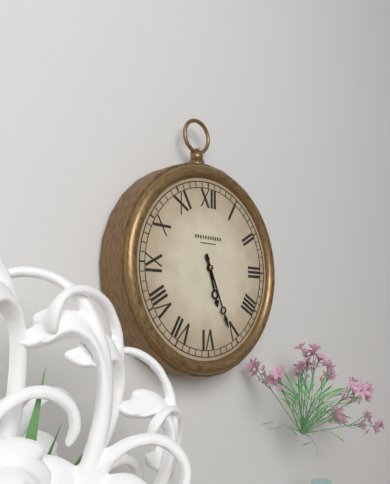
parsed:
5 h 26 min
